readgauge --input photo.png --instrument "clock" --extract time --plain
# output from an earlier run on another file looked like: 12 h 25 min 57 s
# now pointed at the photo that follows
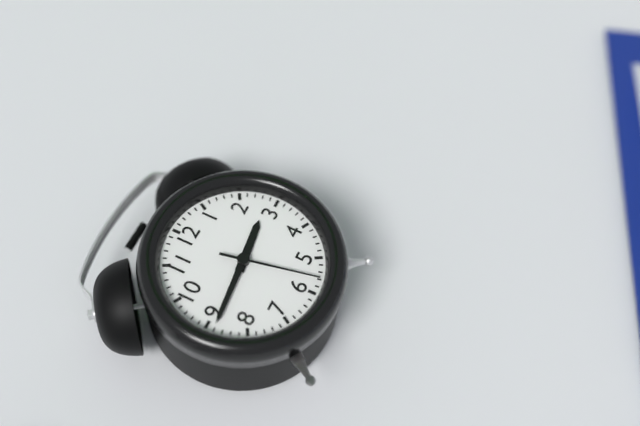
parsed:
2 h 44 min 28 s
